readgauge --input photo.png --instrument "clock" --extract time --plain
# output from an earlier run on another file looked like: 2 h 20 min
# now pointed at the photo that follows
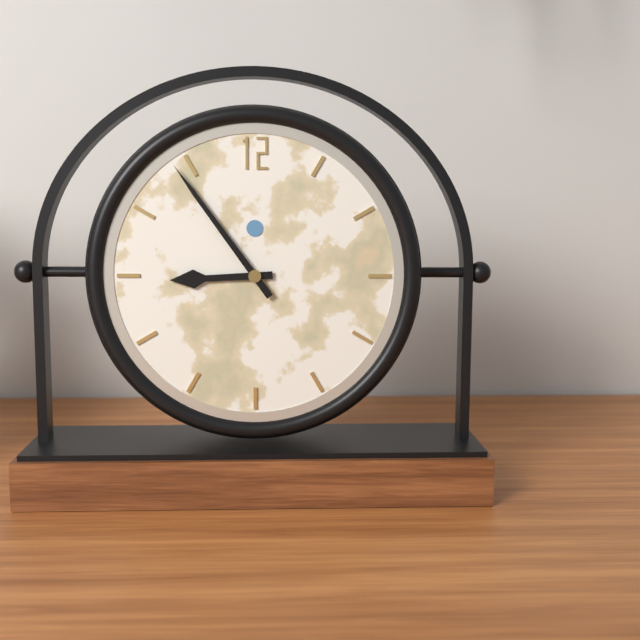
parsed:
8 h 54 min
